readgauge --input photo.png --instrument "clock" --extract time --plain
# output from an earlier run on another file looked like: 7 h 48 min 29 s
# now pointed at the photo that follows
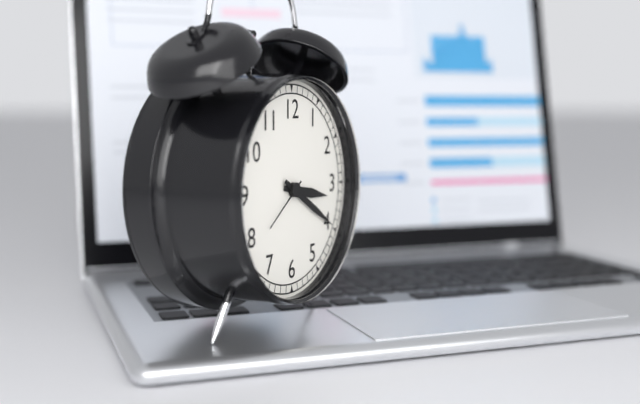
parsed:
3 h 20 min 39 s
